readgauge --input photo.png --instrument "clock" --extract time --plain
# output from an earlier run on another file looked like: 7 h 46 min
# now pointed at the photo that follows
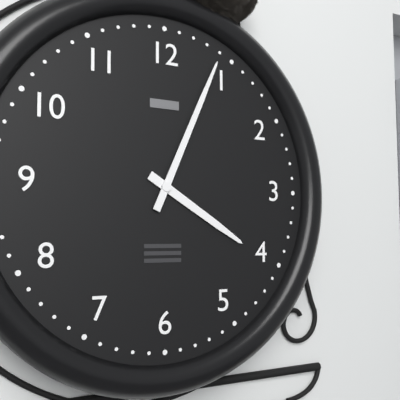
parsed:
4 h 04 min
